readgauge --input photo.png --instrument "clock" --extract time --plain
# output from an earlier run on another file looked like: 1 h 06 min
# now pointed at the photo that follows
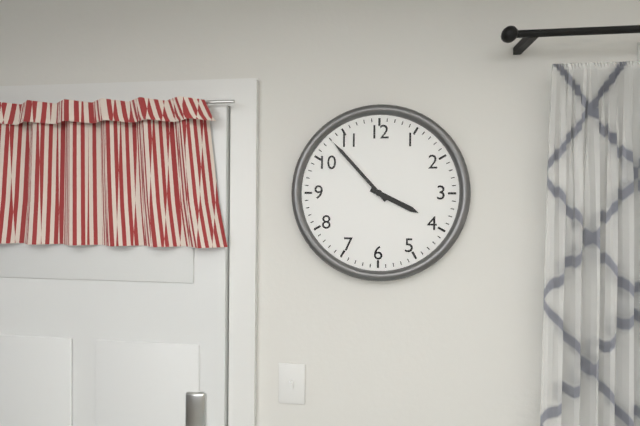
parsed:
3 h 53 min
